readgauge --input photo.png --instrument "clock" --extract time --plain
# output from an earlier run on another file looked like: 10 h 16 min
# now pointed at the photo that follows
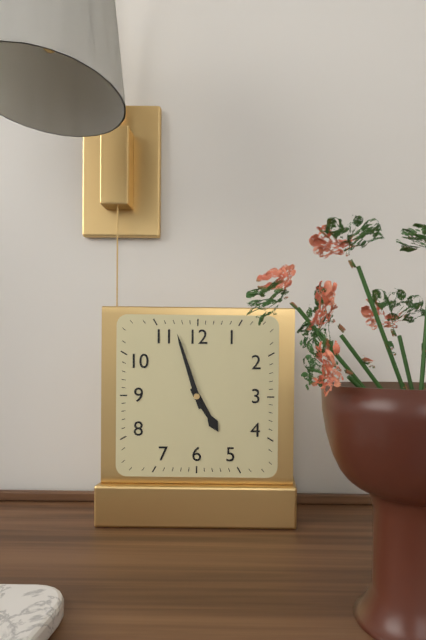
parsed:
4 h 57 min
